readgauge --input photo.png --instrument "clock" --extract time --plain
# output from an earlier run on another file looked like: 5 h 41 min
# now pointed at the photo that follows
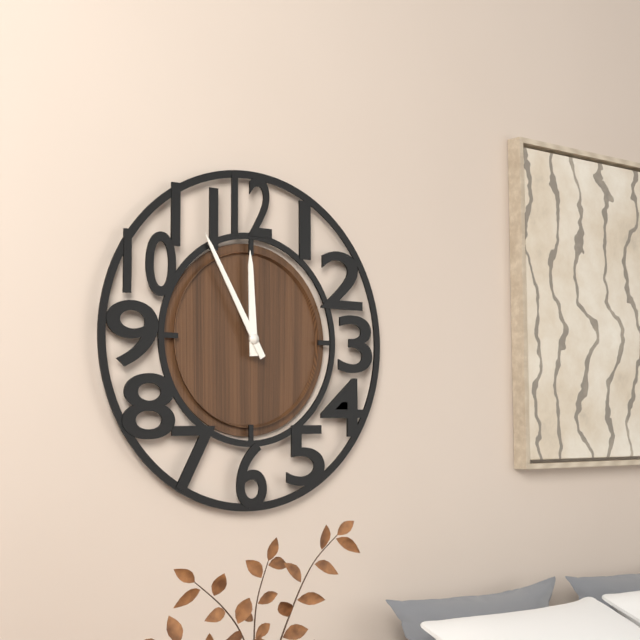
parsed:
11 h 55 min
